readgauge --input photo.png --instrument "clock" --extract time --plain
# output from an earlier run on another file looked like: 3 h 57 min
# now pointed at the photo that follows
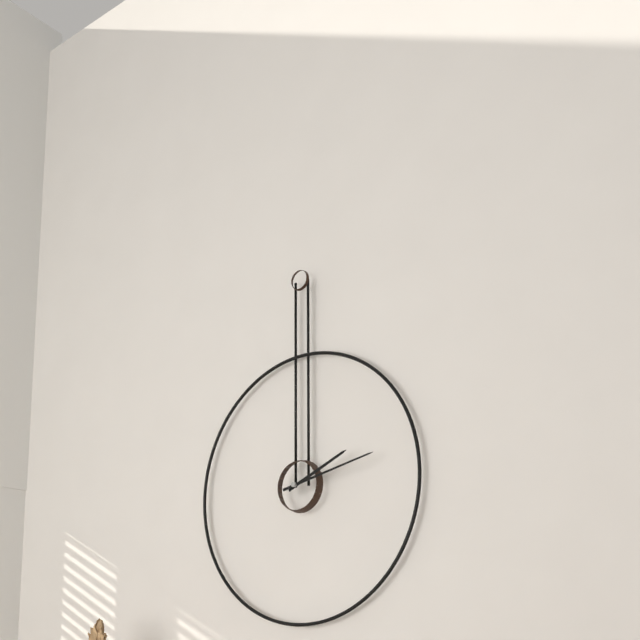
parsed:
2 h 13 min
